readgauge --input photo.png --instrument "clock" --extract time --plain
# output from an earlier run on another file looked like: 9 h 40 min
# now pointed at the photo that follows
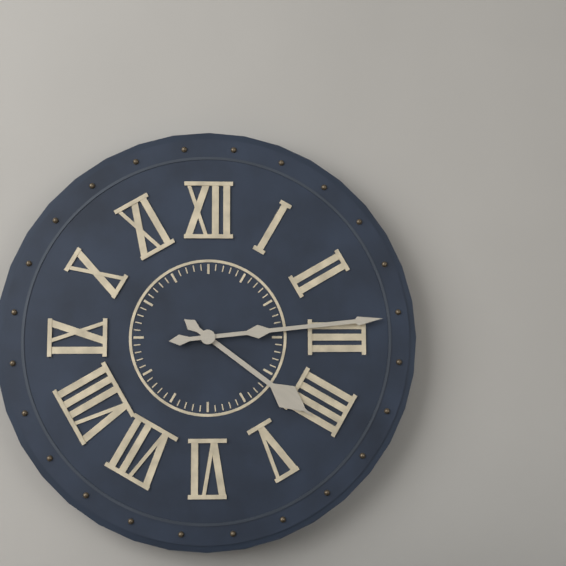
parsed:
4 h 14 min
